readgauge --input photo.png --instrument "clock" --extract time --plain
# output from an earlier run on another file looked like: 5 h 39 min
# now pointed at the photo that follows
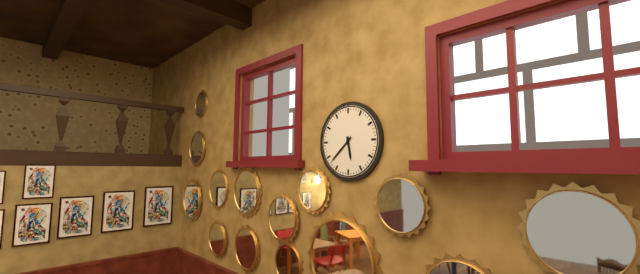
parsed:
5 h 38 min
